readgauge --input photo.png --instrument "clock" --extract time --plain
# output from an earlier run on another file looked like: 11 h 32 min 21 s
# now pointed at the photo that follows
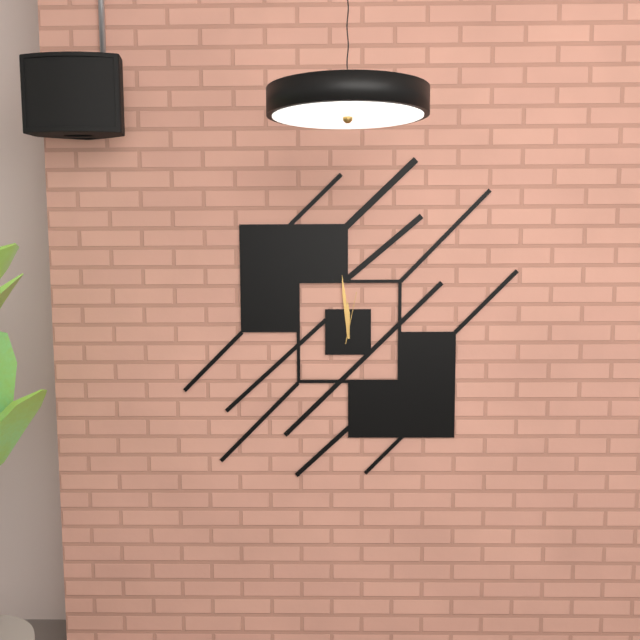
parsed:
11 h 59 min 02 s
